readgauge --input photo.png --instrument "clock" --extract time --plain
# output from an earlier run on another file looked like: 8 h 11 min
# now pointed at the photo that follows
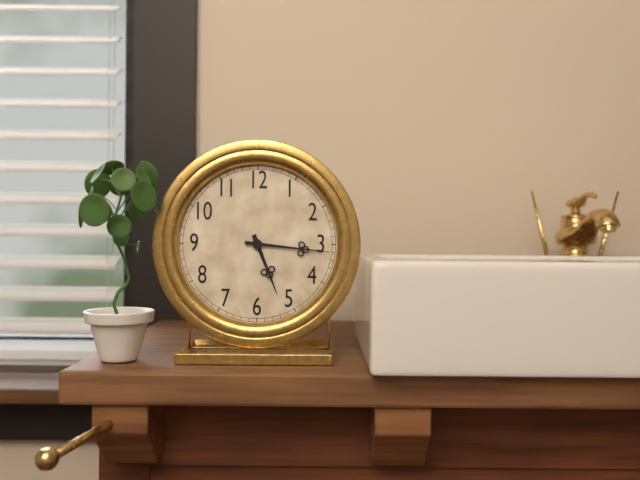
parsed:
5 h 16 min
